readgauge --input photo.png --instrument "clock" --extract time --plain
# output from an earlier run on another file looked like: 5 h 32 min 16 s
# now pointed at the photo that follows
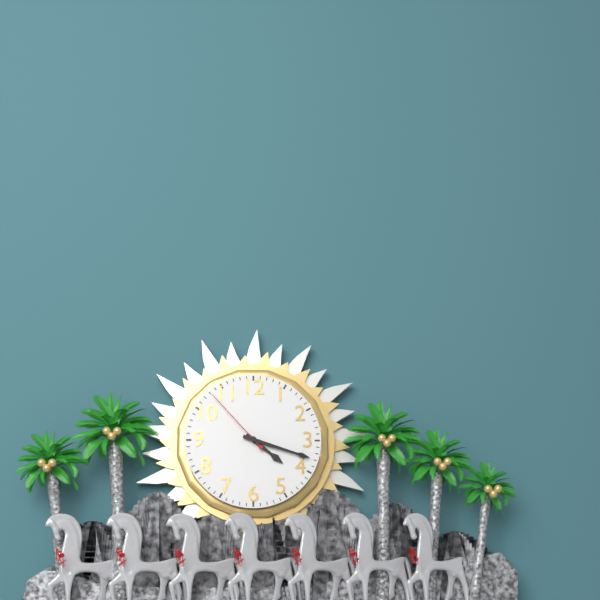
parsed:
4 h 18 min 53 s
